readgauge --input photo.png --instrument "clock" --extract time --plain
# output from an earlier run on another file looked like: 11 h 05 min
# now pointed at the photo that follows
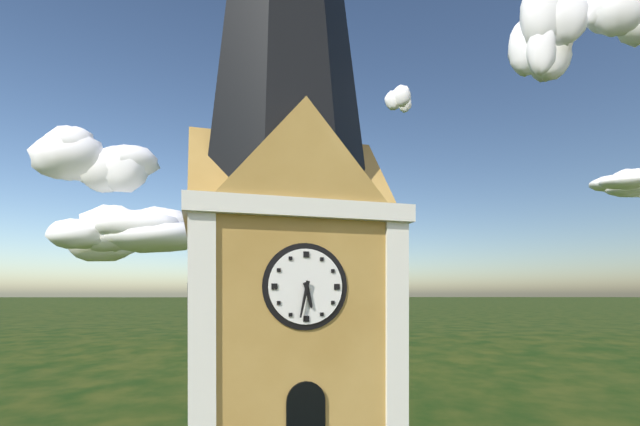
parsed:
5 h 32 min
